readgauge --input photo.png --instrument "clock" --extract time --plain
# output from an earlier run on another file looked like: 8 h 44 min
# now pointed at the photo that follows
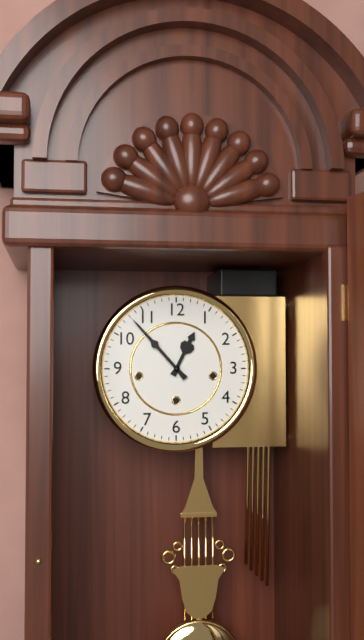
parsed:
12 h 53 min
